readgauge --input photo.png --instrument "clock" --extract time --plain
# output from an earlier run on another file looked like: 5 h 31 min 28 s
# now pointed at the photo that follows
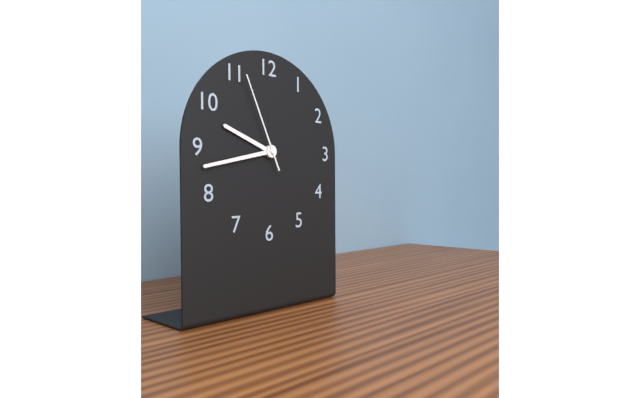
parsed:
9 h 43 min 56 s
